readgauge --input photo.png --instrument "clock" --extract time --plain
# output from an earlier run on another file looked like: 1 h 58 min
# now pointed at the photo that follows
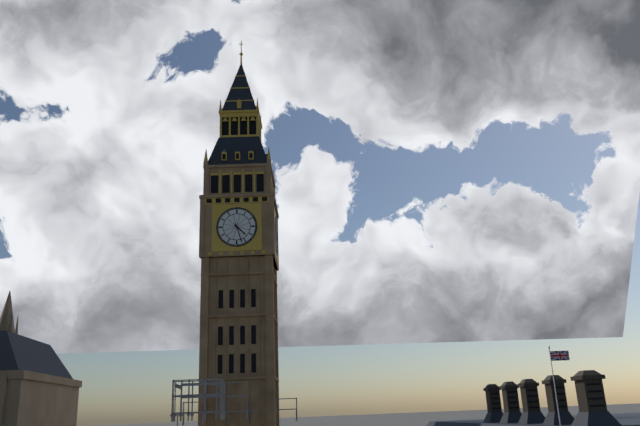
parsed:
4 h 27 min
